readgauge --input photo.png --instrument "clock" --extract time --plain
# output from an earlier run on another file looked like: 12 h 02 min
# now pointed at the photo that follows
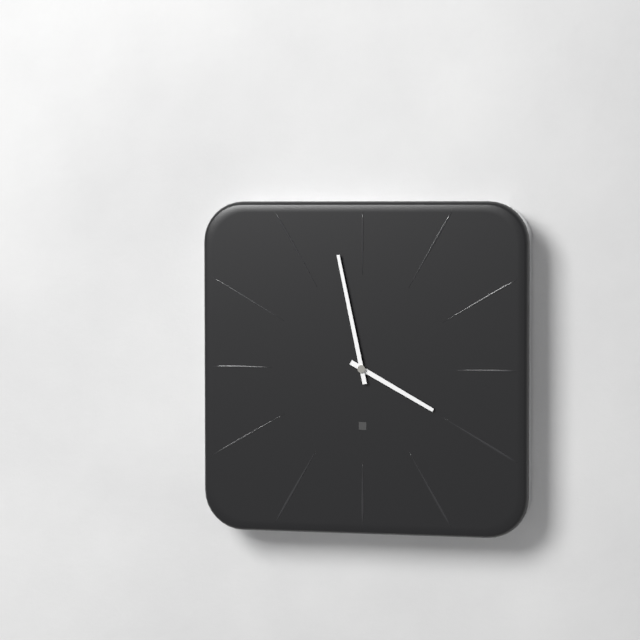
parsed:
3 h 58 min
